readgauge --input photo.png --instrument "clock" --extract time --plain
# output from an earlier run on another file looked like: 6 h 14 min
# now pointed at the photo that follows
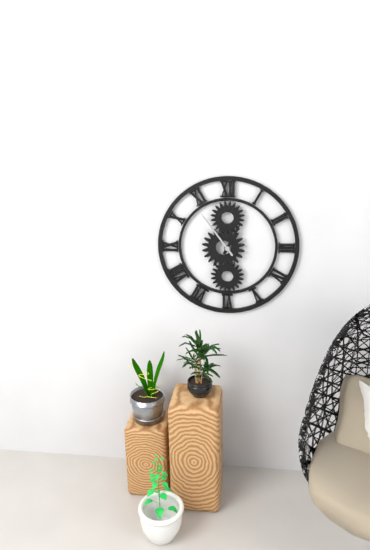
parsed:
12 h 54 min
